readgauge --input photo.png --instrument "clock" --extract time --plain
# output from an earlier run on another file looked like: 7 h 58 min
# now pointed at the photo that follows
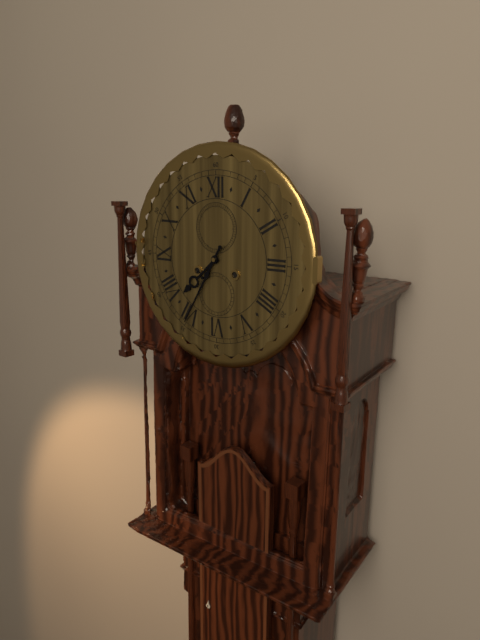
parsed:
7 h 35 min
